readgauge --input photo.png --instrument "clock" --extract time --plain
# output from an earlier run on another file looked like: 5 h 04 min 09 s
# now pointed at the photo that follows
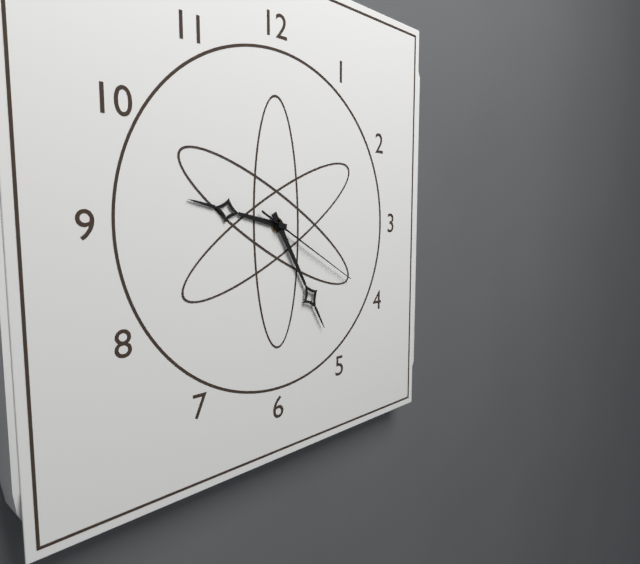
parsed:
9 h 25 min 20 s
